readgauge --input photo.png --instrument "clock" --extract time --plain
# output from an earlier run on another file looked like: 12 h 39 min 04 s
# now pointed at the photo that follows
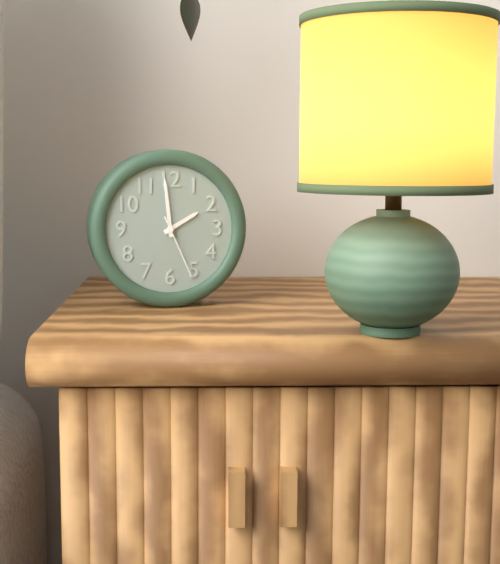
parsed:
1 h 59 min 26 s
